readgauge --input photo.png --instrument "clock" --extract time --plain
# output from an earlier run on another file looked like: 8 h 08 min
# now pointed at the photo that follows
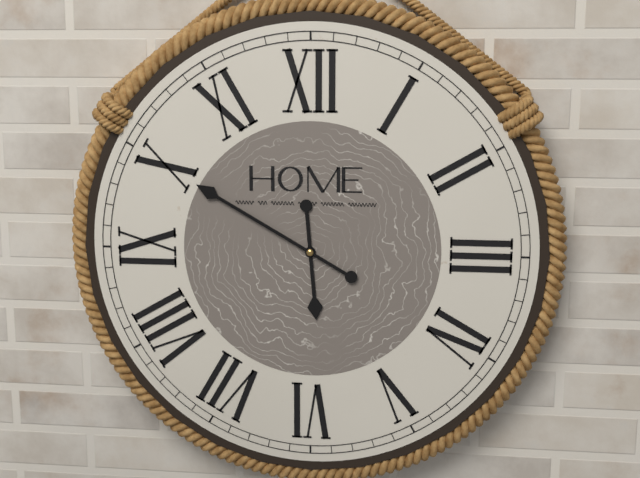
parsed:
5 h 50 min
